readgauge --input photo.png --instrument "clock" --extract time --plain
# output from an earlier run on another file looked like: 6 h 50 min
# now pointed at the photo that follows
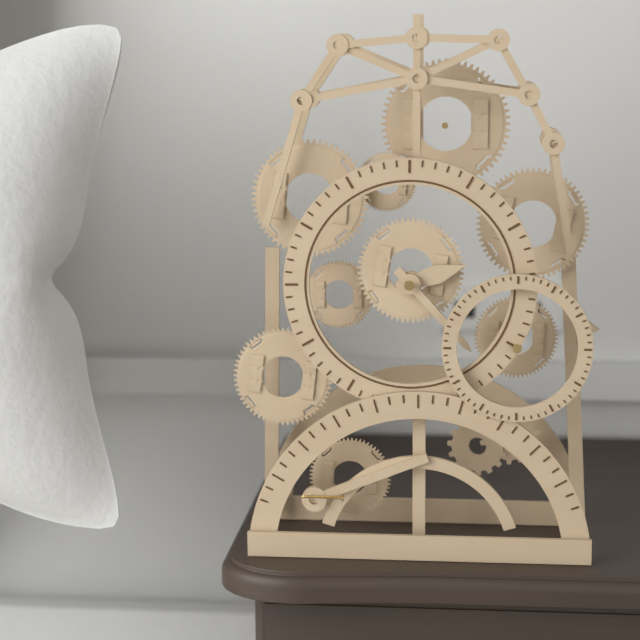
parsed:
2 h 23 min
